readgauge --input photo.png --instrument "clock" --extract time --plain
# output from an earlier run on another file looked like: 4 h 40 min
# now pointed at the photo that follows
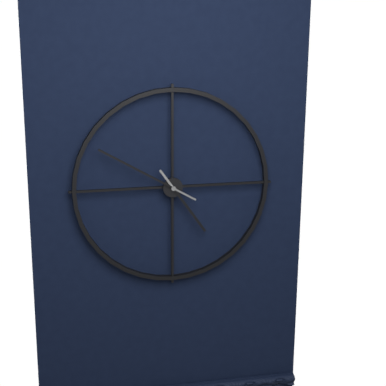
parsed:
4 h 50 min
